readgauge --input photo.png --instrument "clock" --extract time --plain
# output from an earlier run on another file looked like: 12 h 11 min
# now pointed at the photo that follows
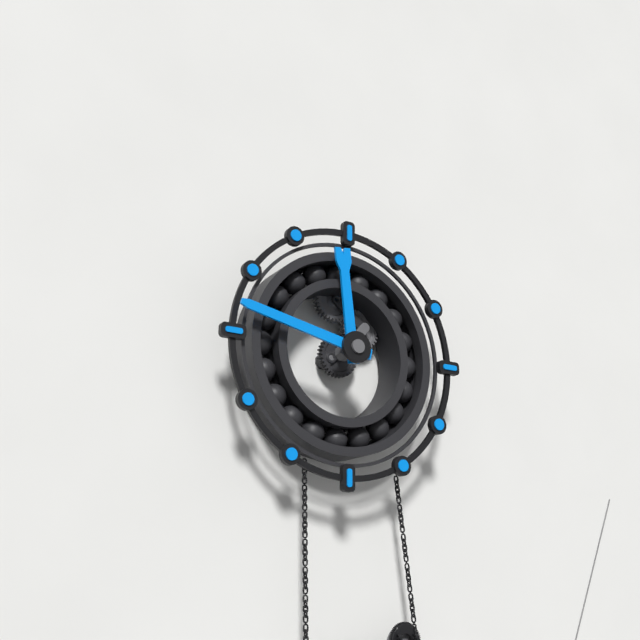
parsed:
11 h 47 min
